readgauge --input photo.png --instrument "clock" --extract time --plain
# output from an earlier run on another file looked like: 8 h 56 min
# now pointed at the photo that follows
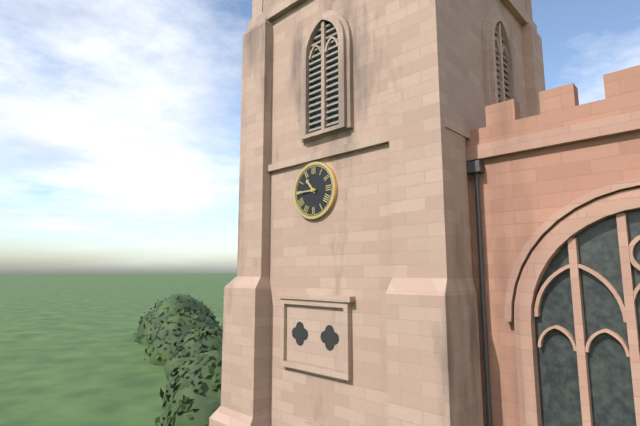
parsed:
10 h 45 min
